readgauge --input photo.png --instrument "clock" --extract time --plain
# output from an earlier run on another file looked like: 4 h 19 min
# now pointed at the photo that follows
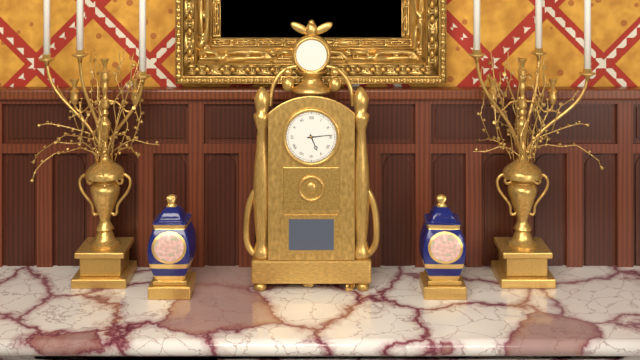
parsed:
5 h 14 min
